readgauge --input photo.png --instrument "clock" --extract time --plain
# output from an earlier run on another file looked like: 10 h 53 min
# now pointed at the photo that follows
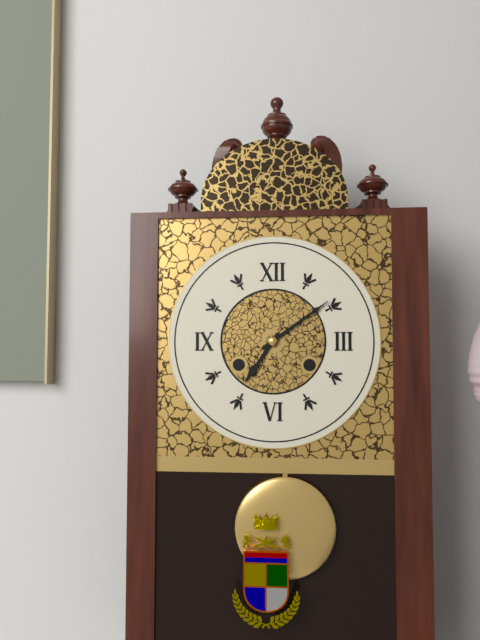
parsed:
7 h 09 min
